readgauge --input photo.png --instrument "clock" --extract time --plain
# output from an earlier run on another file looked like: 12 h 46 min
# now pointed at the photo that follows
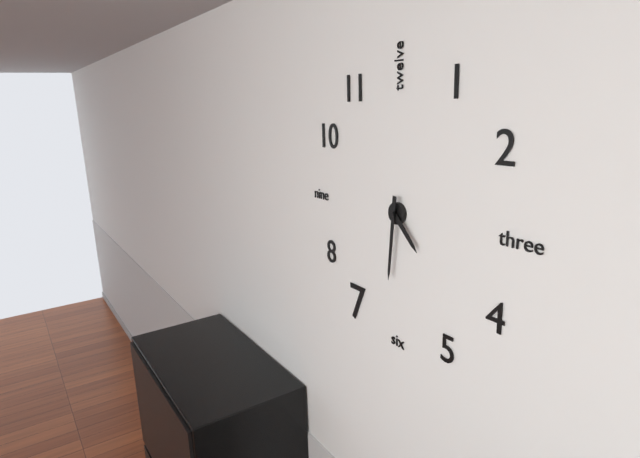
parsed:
4 h 31 min
